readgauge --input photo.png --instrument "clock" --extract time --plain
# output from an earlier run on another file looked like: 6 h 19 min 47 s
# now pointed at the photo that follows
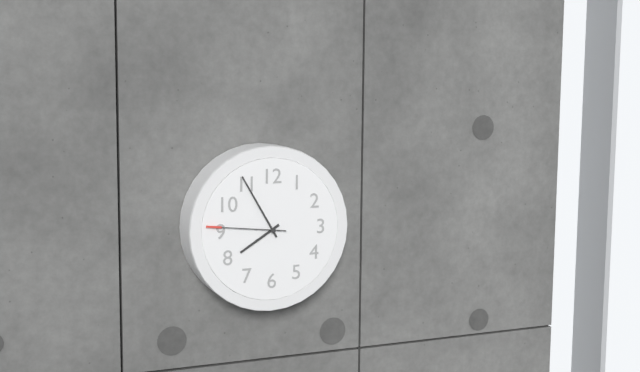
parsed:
7 h 55 min 46 s
